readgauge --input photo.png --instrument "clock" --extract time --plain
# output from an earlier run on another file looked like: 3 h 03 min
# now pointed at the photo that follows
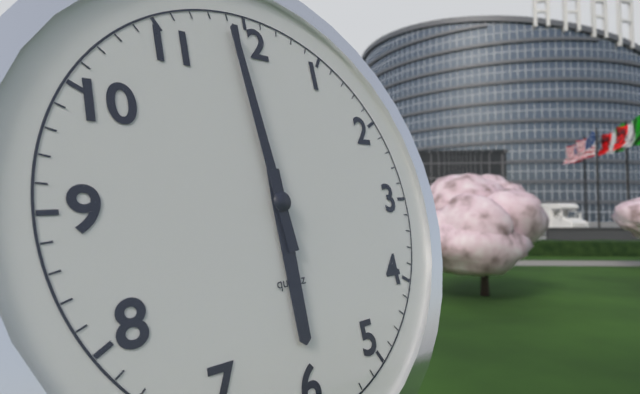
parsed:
5 h 59 min
